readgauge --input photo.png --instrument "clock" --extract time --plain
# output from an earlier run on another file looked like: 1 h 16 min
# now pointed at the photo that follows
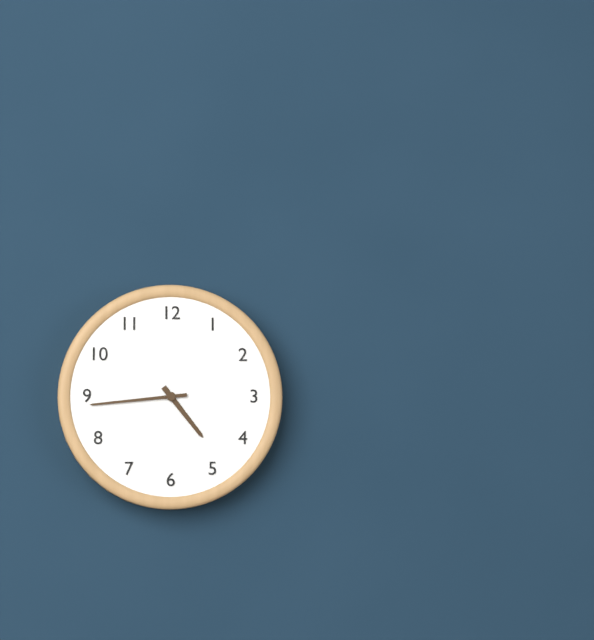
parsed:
4 h 44 min
